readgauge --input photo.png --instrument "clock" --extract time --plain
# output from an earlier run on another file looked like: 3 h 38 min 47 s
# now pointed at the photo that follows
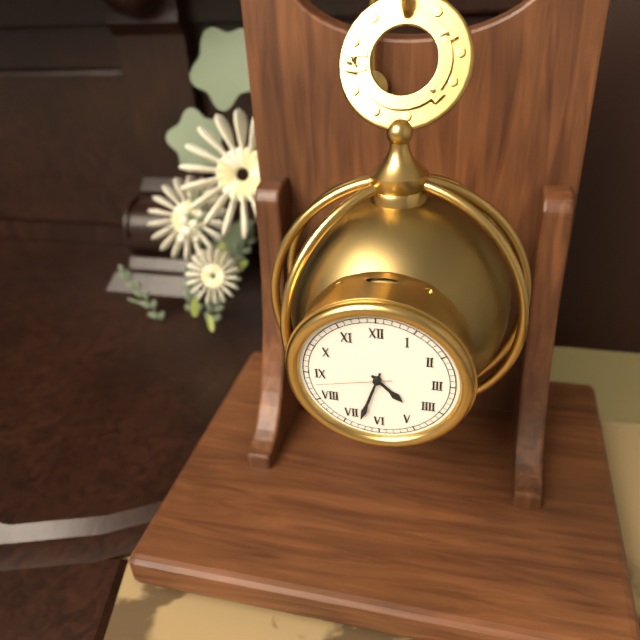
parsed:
4 h 33 min 43 s
